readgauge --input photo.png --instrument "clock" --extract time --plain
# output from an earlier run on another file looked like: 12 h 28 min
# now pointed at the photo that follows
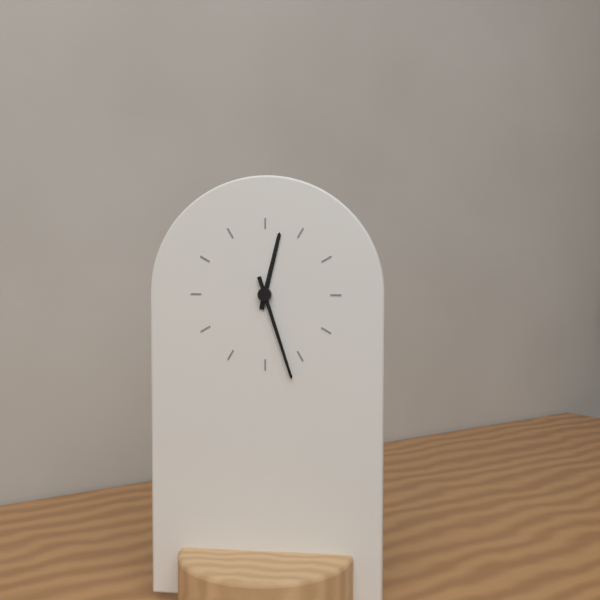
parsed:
12 h 27 min
